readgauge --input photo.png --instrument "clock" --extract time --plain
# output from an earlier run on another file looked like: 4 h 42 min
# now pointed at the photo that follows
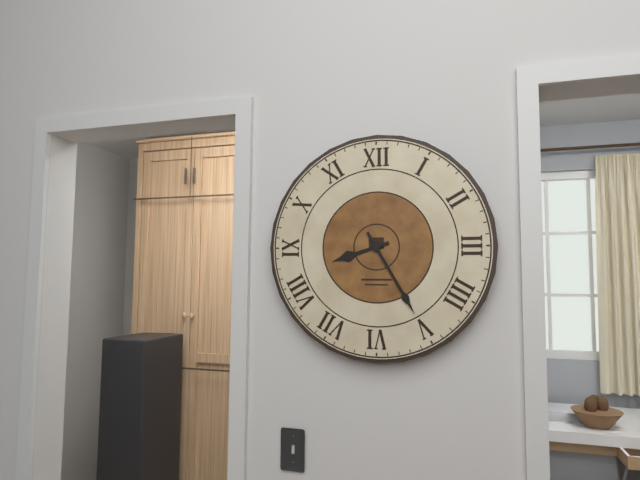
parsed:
8 h 25 min
